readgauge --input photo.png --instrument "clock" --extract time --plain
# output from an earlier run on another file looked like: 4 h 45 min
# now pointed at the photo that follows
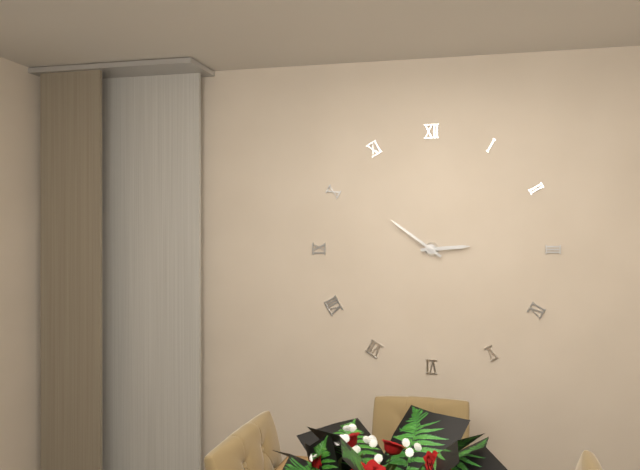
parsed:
2 h 51 min
